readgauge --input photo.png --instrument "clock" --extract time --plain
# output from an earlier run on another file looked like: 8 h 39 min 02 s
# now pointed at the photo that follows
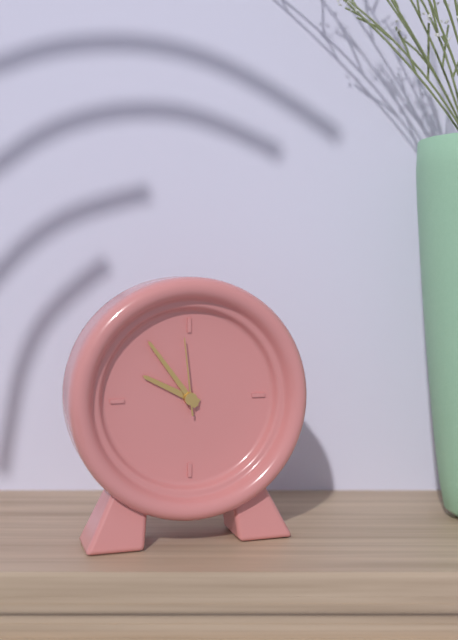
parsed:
9 h 54 min 59 s
